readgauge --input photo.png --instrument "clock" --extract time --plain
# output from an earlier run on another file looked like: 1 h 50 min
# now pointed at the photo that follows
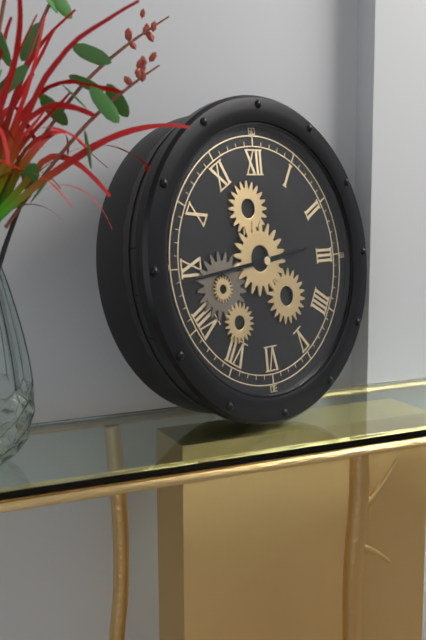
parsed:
2 h 44 min
